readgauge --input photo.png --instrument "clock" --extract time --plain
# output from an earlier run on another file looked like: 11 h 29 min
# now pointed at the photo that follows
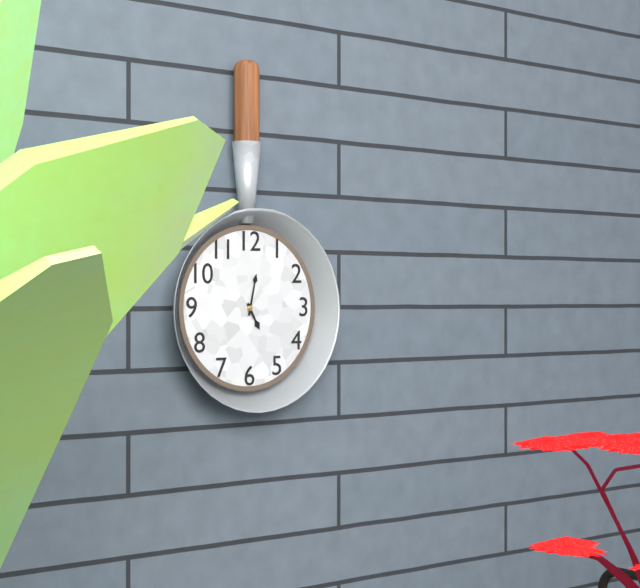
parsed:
5 h 02 min
